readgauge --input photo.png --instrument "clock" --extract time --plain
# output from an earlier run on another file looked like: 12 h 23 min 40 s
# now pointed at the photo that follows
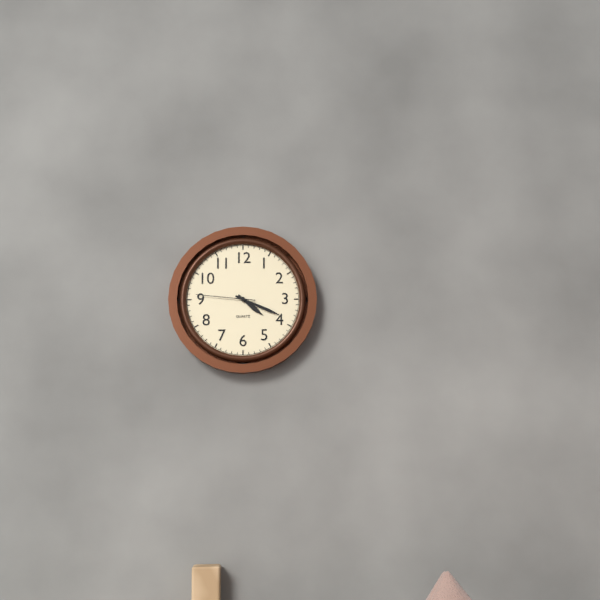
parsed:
4 h 19 min 46 s
